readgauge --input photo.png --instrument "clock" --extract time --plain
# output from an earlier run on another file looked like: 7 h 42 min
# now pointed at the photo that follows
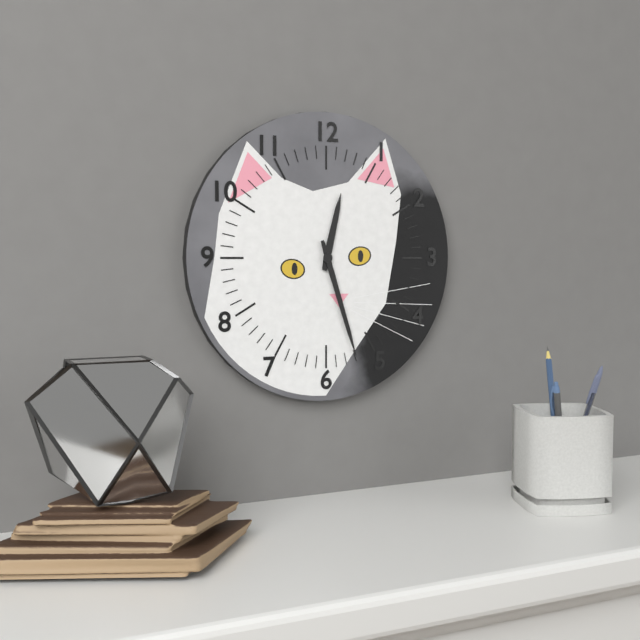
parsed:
12 h 27 min
